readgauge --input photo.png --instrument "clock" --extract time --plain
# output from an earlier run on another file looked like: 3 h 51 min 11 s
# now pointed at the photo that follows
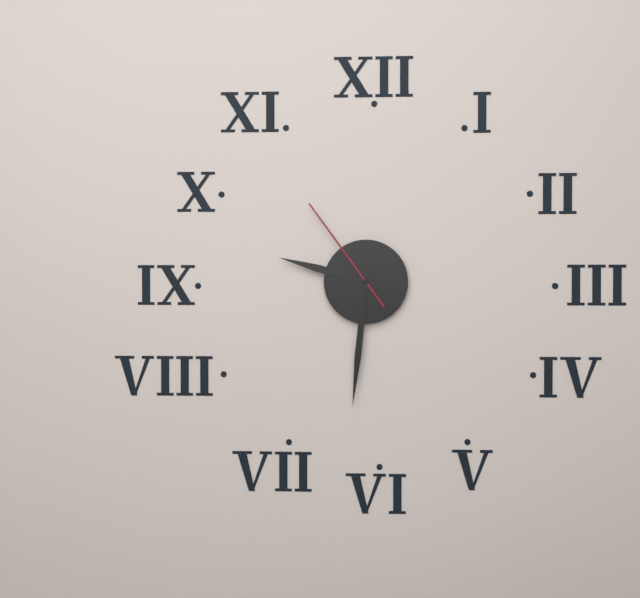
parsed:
9 h 31 min 54 s
